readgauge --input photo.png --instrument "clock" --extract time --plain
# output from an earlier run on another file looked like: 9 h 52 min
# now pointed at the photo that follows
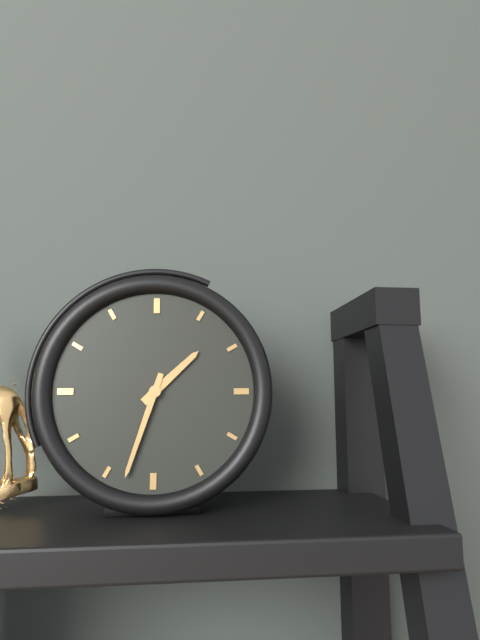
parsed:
1 h 33 min
